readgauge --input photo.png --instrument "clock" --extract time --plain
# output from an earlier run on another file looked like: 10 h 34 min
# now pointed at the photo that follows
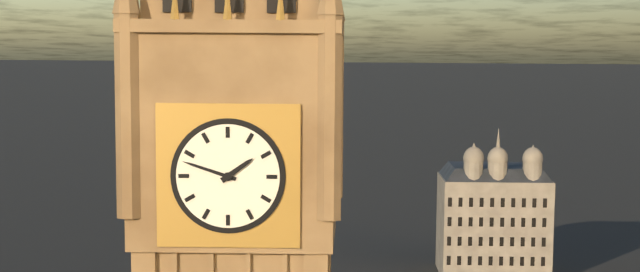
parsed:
1 h 48 min
